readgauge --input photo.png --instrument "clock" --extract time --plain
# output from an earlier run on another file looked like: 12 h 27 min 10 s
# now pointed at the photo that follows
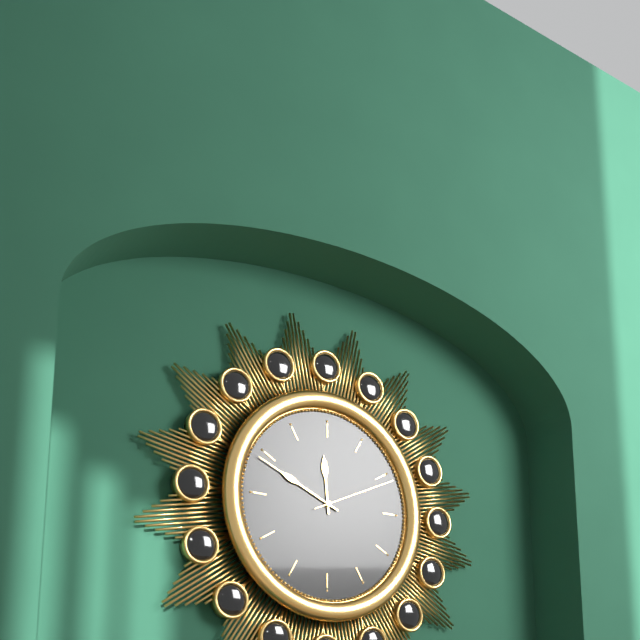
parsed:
11 h 49 min 11 s
